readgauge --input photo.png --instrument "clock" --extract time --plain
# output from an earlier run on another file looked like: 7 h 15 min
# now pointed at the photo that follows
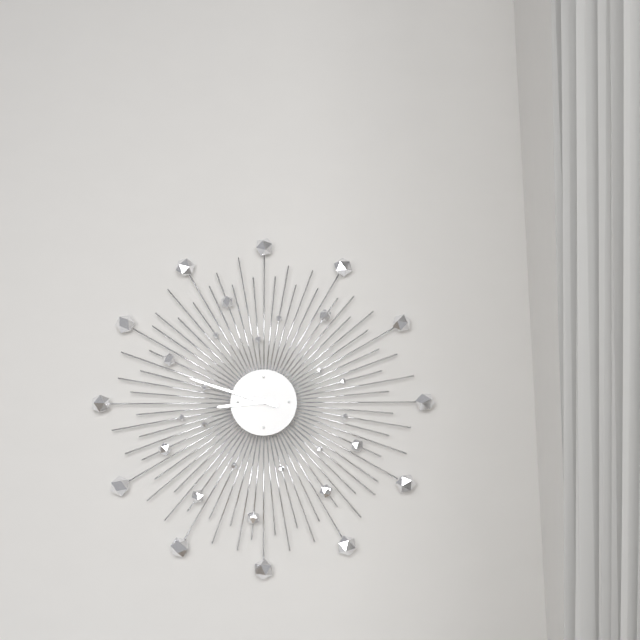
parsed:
8 h 48 min
